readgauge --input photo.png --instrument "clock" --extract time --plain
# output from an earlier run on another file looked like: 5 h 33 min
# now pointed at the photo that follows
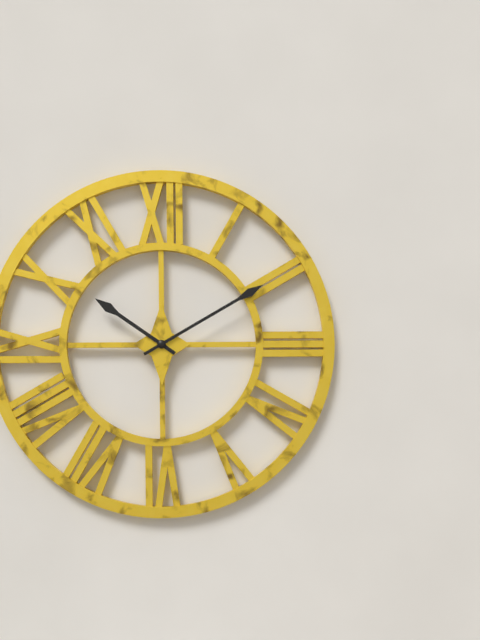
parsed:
10 h 10 min
